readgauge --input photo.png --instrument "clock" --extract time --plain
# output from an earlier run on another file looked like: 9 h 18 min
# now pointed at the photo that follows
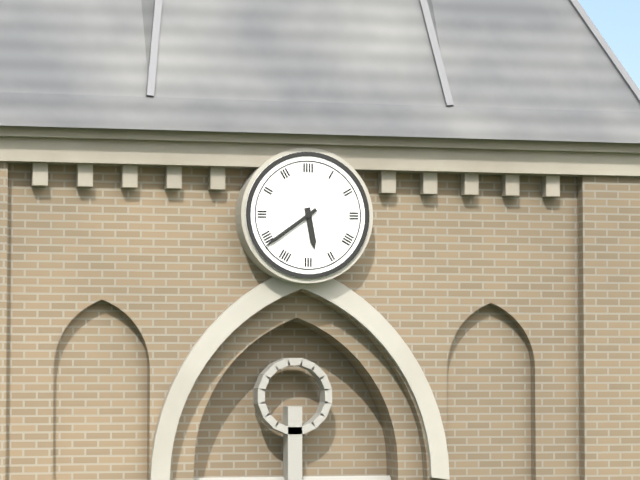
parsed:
5 h 39 min
